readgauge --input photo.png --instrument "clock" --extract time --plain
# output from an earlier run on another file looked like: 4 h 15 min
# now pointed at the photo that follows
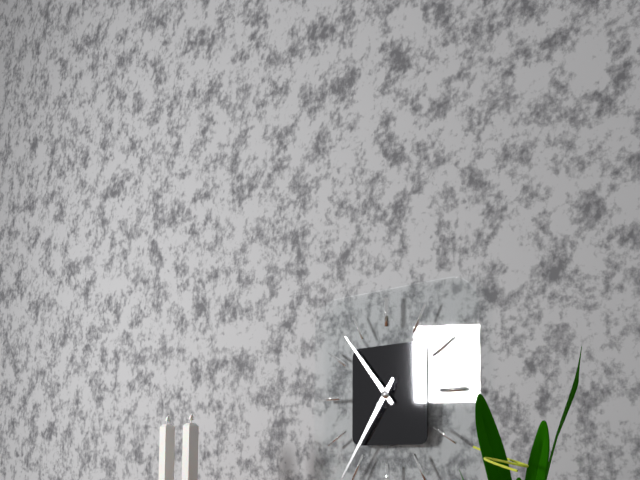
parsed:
10 h 36 min
